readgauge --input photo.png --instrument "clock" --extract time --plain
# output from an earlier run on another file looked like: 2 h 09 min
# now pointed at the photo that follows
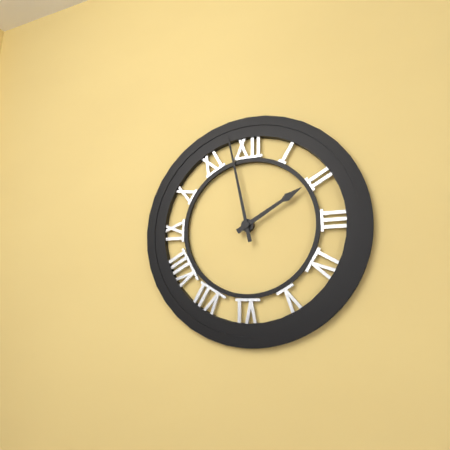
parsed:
1 h 58 min
